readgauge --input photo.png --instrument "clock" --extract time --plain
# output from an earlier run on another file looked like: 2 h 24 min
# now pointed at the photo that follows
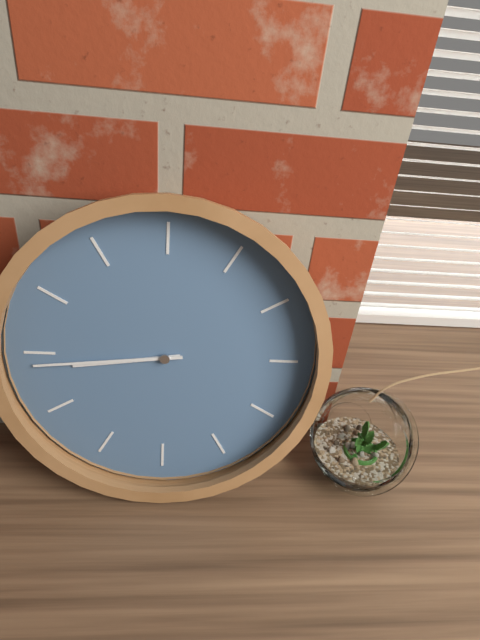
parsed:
8 h 44 min
